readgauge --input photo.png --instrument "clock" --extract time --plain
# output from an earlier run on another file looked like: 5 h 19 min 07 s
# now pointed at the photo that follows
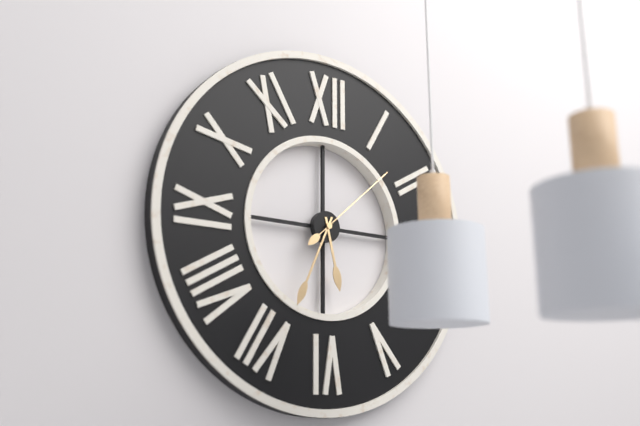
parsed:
5 h 34 min 08 s
